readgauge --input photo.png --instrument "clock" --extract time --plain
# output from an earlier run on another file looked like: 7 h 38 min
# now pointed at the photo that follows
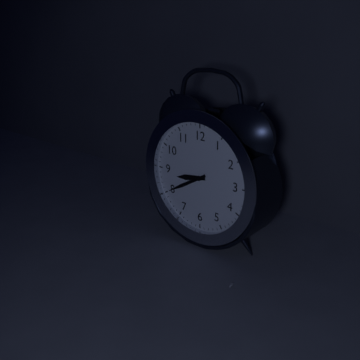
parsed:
8 h 40 min
